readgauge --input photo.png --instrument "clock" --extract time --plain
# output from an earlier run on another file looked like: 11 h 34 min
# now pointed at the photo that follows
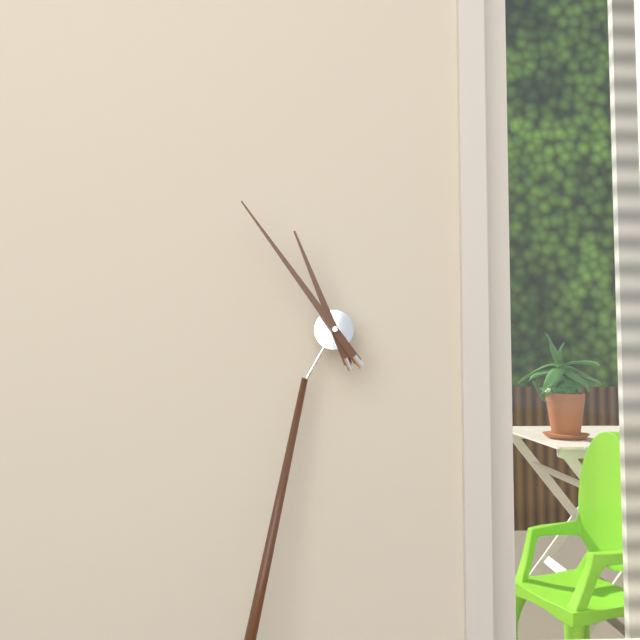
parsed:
10 h 52 min
